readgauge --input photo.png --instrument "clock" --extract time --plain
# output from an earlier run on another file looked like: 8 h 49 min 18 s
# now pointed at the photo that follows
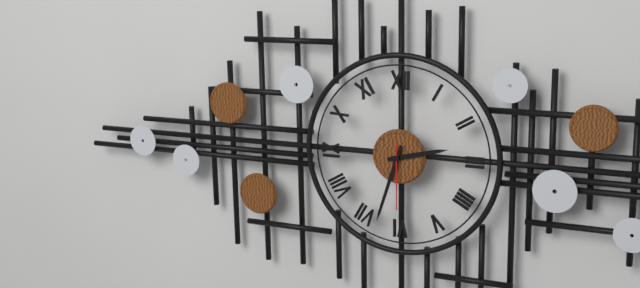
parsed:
2 h 33 min 30 s
